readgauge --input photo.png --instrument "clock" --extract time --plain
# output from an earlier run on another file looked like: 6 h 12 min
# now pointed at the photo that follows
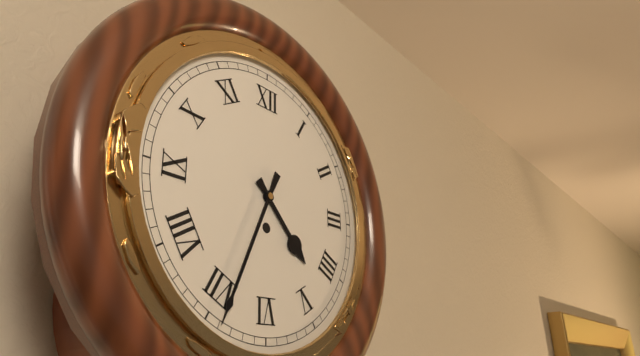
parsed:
4 h 34 min
